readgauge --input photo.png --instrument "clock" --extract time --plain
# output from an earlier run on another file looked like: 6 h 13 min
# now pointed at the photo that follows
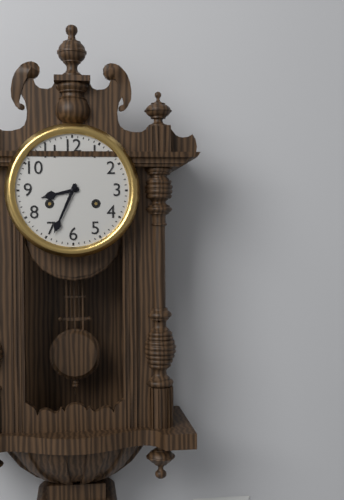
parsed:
8 h 34 min
